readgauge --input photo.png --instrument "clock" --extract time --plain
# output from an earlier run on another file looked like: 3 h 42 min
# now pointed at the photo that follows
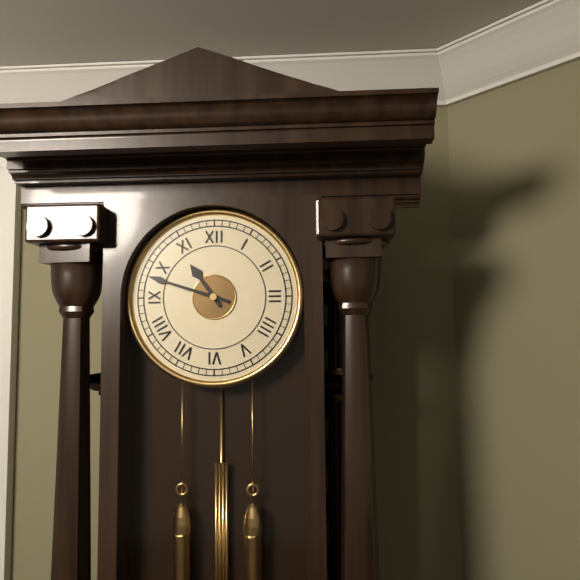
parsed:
10 h 48 min
